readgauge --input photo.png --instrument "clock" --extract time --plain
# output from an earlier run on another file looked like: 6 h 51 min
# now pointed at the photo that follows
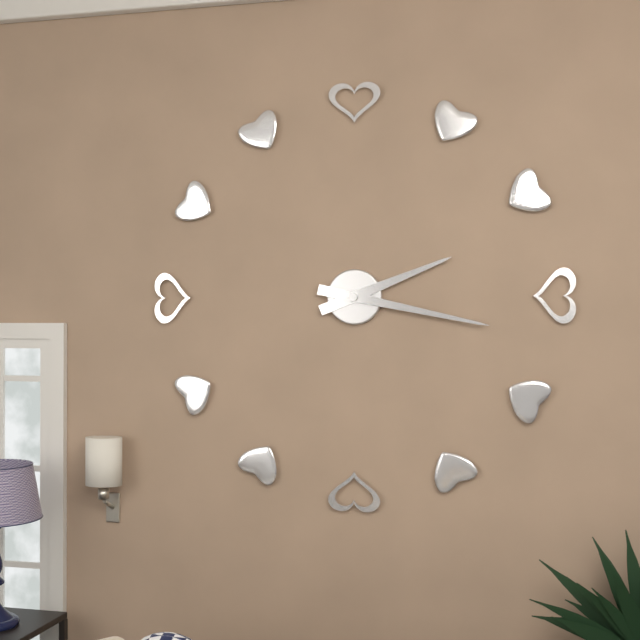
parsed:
2 h 17 min
